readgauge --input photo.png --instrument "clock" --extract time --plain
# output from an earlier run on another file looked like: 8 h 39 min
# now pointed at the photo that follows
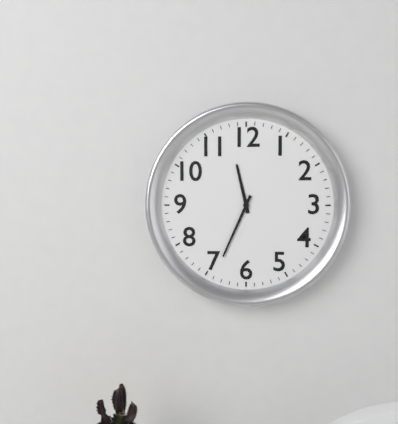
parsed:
11 h 34 min
